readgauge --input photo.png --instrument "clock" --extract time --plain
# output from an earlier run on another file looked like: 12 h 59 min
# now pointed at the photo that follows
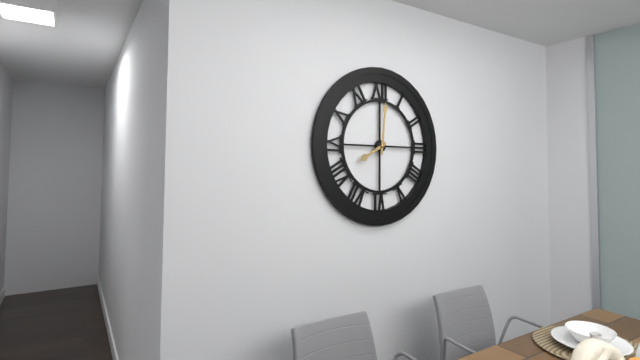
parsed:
8 h 01 min
